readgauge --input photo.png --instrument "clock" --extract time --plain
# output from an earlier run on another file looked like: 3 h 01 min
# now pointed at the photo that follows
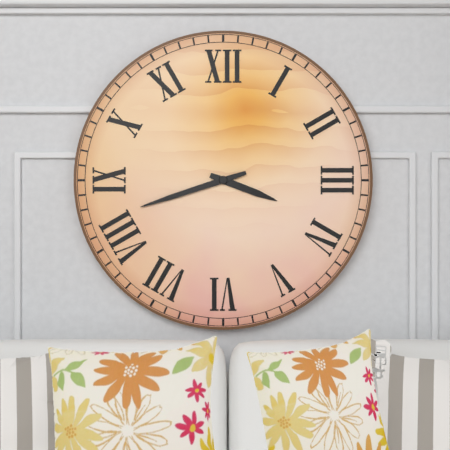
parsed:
3 h 42 min
